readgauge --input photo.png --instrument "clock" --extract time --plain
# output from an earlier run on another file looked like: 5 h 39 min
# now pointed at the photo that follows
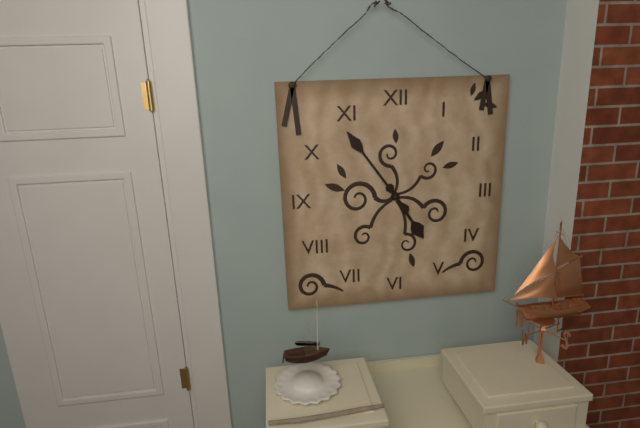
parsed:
4 h 54 min
